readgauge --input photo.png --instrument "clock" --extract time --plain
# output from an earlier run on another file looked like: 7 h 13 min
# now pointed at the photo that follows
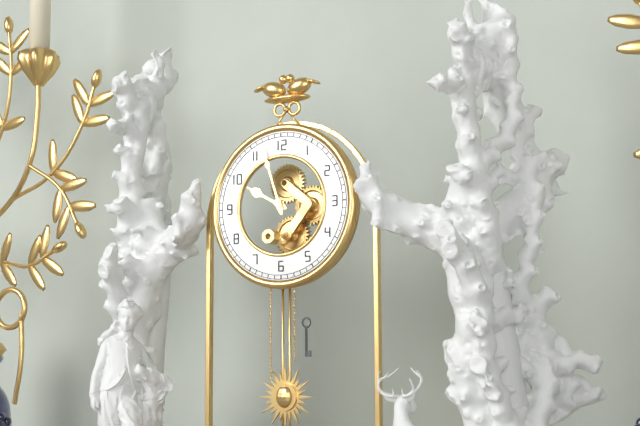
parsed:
9 h 57 min
